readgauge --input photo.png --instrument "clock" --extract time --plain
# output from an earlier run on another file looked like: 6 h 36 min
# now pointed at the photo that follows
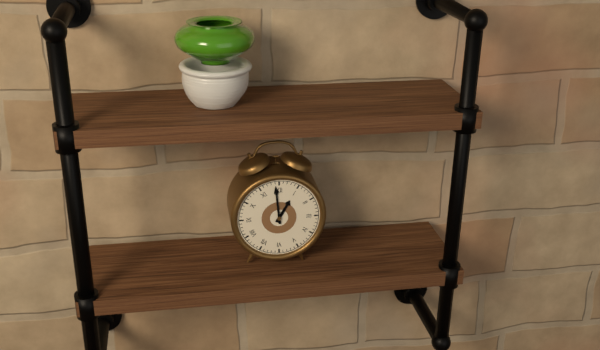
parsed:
12 h 59 min
